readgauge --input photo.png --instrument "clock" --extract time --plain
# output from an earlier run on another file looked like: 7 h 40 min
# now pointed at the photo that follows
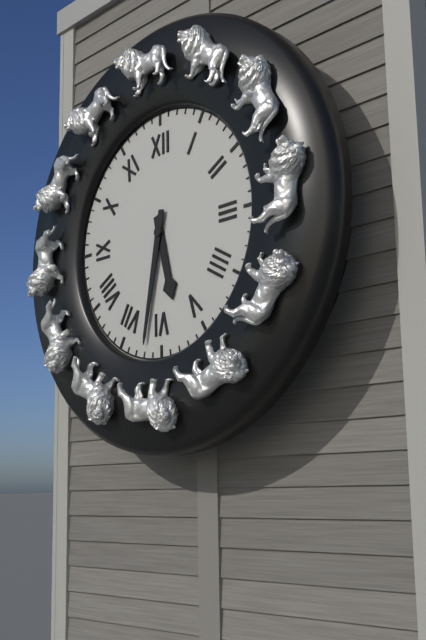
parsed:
5 h 32 min
